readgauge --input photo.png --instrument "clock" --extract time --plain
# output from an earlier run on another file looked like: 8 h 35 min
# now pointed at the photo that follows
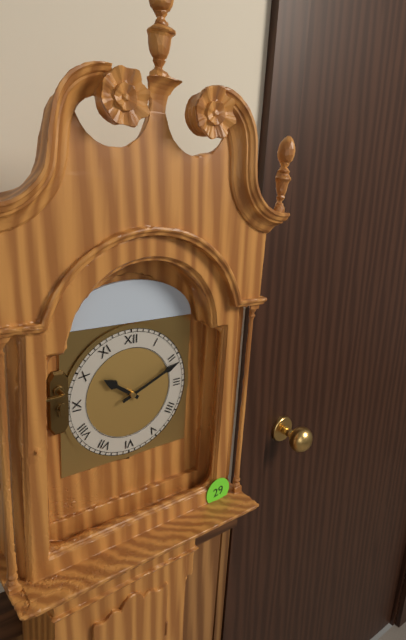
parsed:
10 h 11 min
